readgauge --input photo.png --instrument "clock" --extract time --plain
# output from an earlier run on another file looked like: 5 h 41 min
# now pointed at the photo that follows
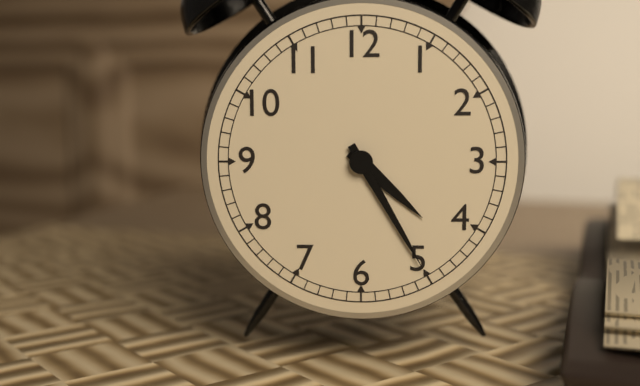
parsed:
4 h 25 min
